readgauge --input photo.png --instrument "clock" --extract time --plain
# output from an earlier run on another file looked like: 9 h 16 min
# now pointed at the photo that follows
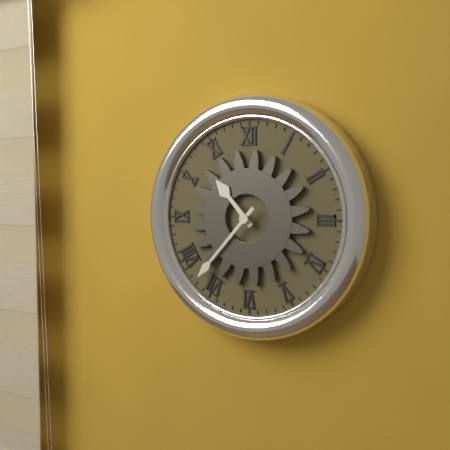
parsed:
10 h 37 min
